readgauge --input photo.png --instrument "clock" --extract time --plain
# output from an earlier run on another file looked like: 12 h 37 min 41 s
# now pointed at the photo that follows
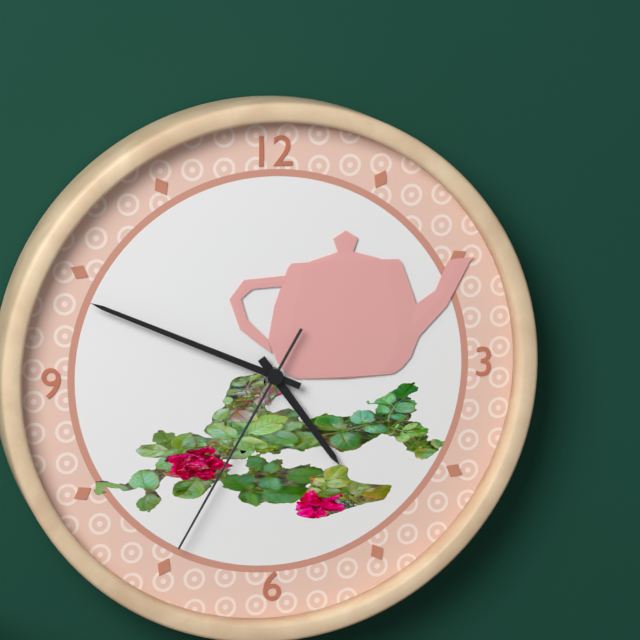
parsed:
4 h 49 min 35 s
